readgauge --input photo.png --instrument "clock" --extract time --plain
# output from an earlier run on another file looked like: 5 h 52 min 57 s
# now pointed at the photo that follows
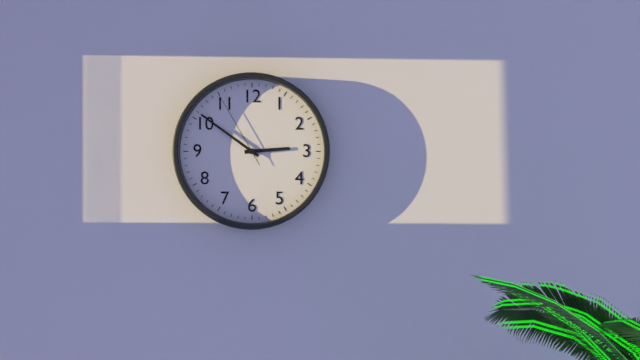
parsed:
2 h 51 min 55 s
